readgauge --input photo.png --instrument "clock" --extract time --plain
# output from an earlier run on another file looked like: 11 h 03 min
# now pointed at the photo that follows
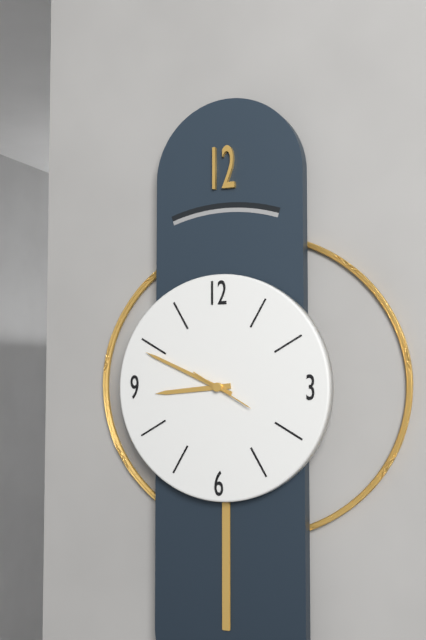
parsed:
8 h 49 min
